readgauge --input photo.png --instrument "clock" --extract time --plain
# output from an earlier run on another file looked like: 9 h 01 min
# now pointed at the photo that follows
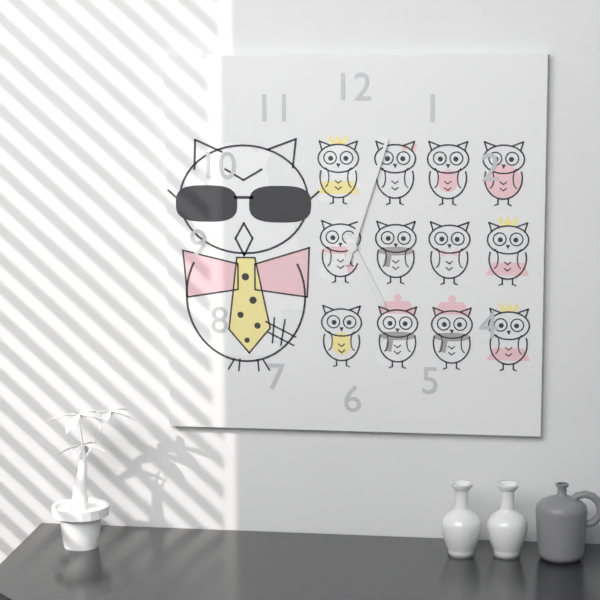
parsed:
5 h 03 min
